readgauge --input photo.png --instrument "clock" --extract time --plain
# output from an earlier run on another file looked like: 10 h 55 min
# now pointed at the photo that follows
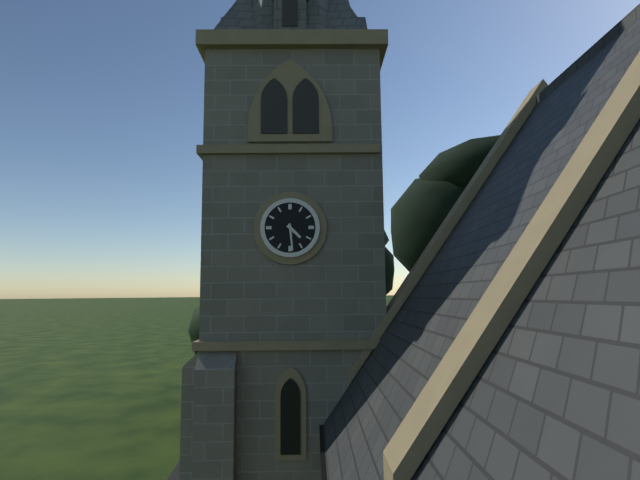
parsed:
4 h 29 min
